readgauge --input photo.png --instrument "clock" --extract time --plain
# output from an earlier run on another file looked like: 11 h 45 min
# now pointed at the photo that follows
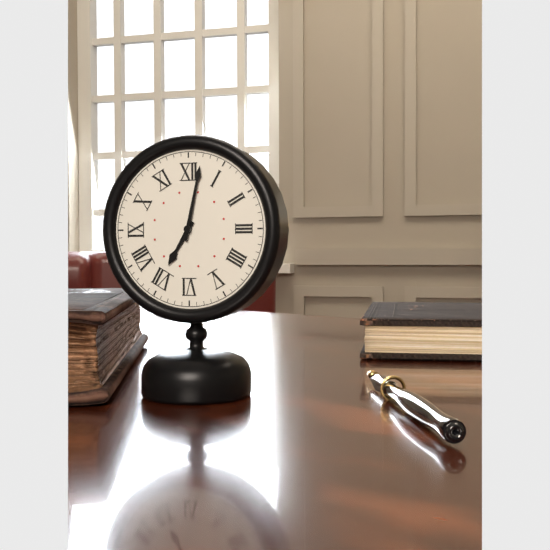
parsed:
7 h 02 min
